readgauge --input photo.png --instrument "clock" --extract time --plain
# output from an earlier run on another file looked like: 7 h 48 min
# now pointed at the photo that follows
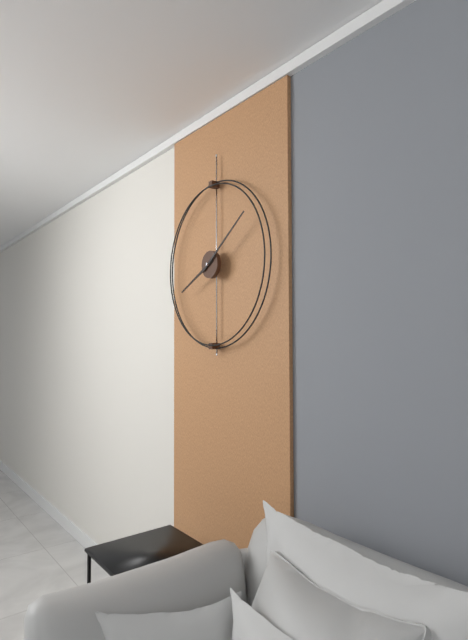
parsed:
8 h 09 min
